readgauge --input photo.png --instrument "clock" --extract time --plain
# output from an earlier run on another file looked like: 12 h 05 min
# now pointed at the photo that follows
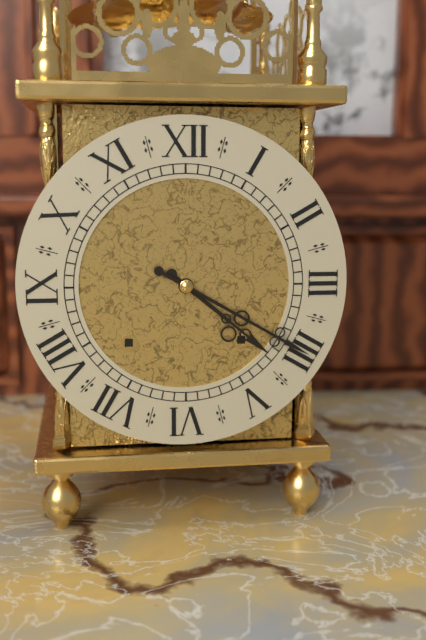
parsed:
4 h 20 min
